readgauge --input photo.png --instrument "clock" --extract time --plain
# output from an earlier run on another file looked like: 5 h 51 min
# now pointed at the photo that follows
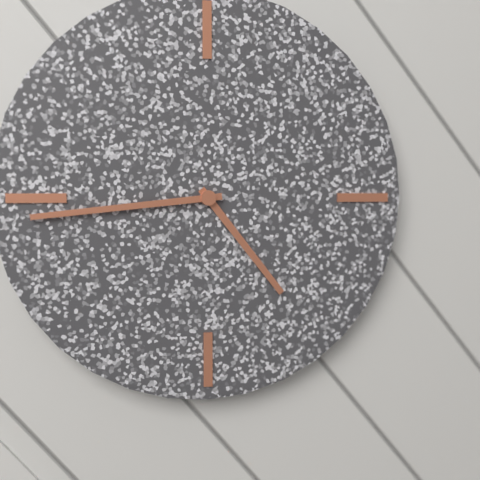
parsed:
4 h 44 min
